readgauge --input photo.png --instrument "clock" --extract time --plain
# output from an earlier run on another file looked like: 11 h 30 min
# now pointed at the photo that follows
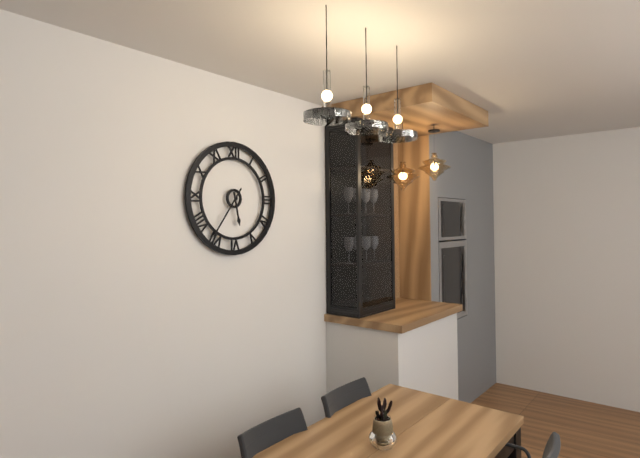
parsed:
5 h 36 min
